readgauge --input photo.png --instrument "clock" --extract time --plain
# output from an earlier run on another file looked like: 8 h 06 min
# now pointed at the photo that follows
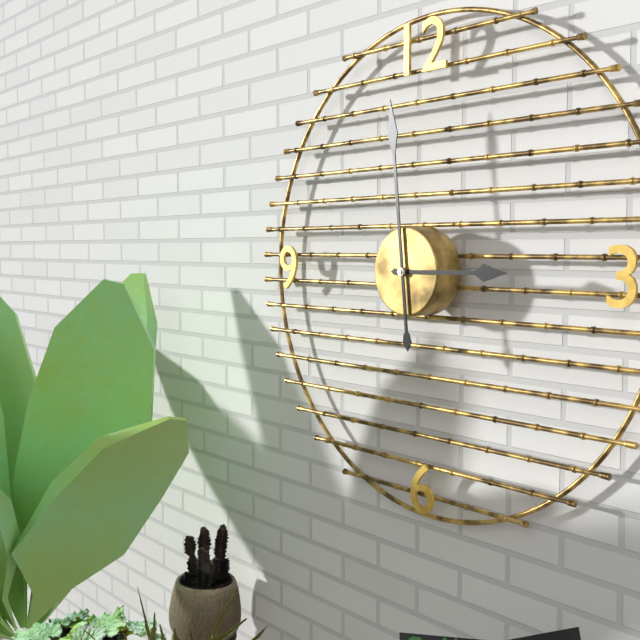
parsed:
2 h 59 min
